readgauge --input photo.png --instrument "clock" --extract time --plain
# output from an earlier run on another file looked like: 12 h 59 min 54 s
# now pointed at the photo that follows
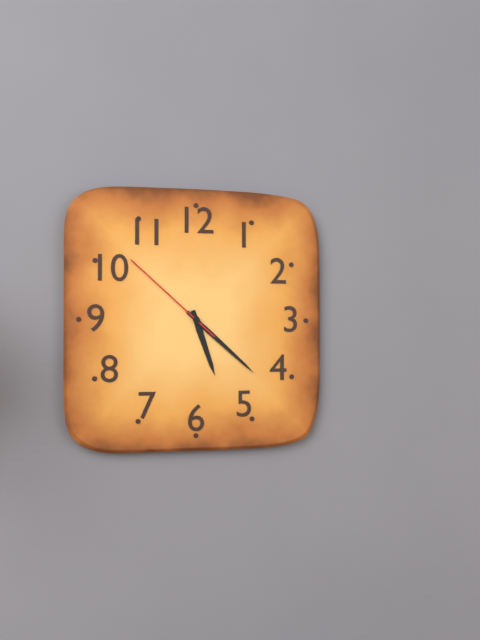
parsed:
5 h 22 min 52 s
